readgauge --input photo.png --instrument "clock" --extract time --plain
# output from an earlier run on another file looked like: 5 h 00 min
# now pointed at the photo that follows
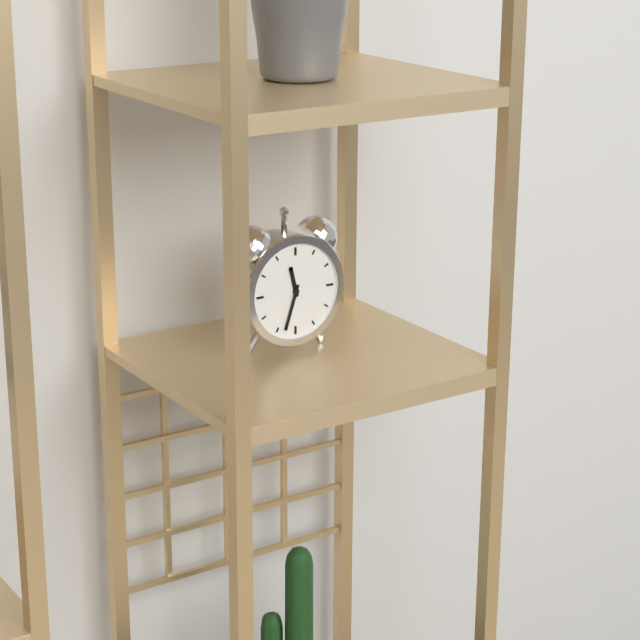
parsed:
11 h 33 min
